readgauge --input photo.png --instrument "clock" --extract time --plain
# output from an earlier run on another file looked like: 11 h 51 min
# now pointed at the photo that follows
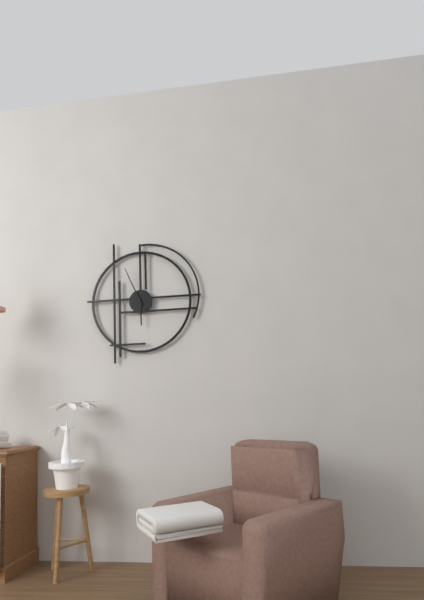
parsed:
5 h 56 min
